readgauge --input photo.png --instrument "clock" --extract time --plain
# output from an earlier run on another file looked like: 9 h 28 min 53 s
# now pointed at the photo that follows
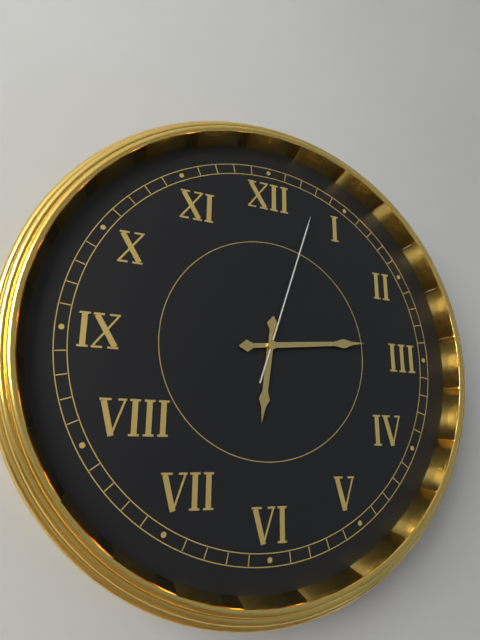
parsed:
6 h 14 min 03 s
